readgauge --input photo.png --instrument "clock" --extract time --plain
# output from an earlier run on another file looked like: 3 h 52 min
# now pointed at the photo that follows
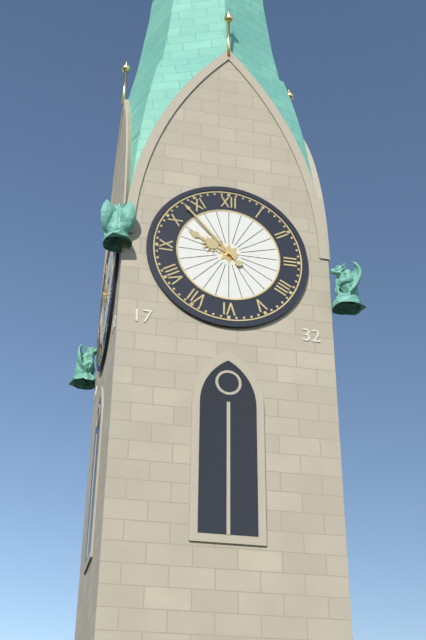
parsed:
9 h 53 min
